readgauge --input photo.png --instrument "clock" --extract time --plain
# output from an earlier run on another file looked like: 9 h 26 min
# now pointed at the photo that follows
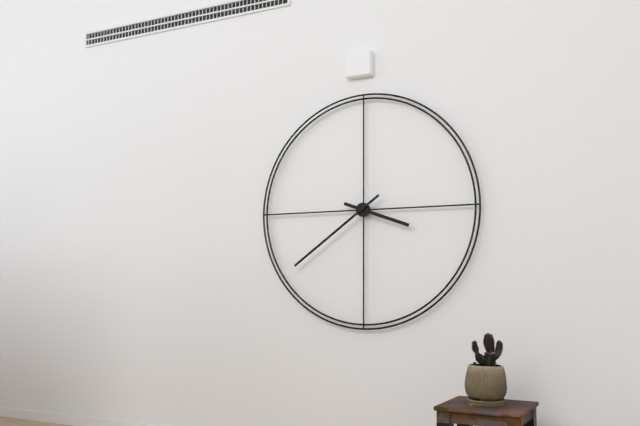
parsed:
3 h 39 min
